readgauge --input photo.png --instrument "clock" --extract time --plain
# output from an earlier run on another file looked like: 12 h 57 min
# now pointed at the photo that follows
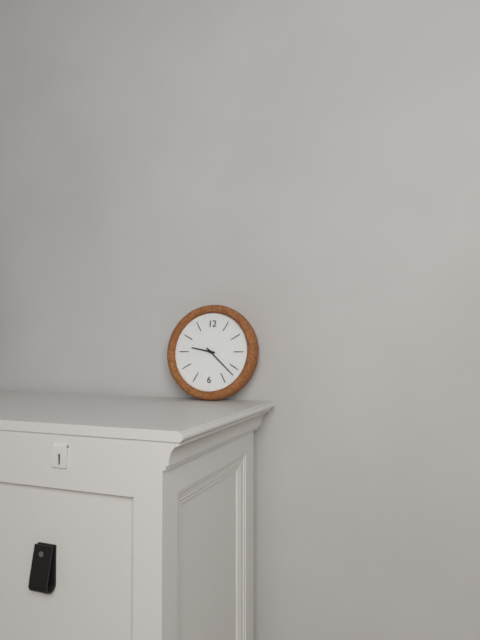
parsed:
9 h 22 min
